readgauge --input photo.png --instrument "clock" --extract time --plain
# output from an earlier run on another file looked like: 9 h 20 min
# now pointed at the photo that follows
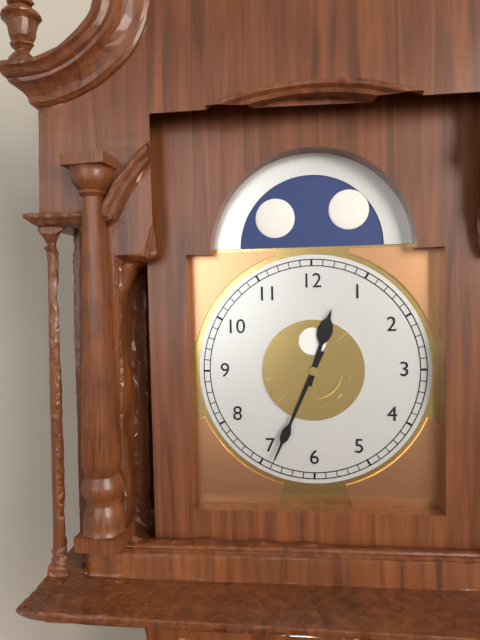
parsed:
12 h 34 min
